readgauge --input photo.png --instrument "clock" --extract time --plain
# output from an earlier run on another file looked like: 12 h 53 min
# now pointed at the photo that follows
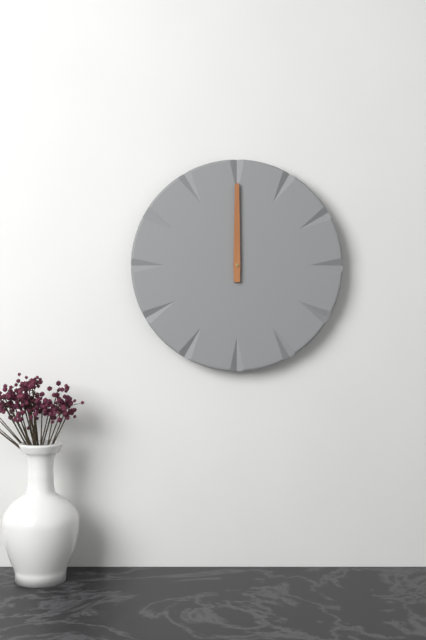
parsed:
12 h 00 min
